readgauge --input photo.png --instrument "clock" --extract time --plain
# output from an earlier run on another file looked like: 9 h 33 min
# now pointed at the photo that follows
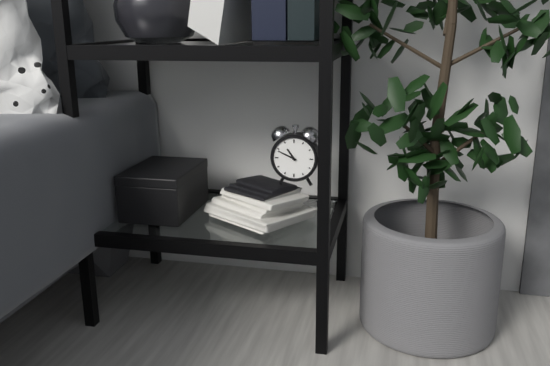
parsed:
10 h 49 min
